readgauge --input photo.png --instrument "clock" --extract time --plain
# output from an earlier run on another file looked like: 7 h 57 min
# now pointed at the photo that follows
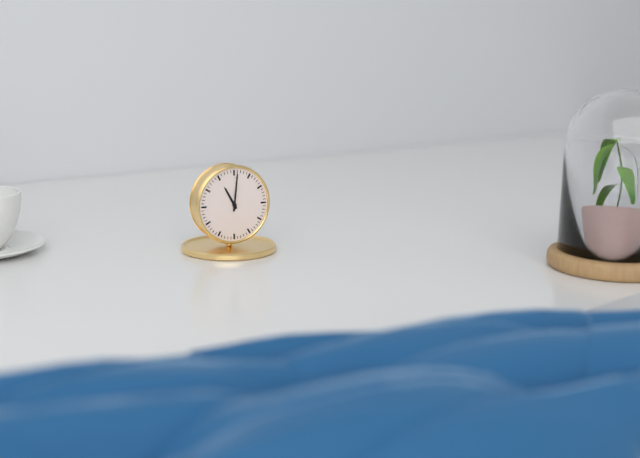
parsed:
11 h 01 min
